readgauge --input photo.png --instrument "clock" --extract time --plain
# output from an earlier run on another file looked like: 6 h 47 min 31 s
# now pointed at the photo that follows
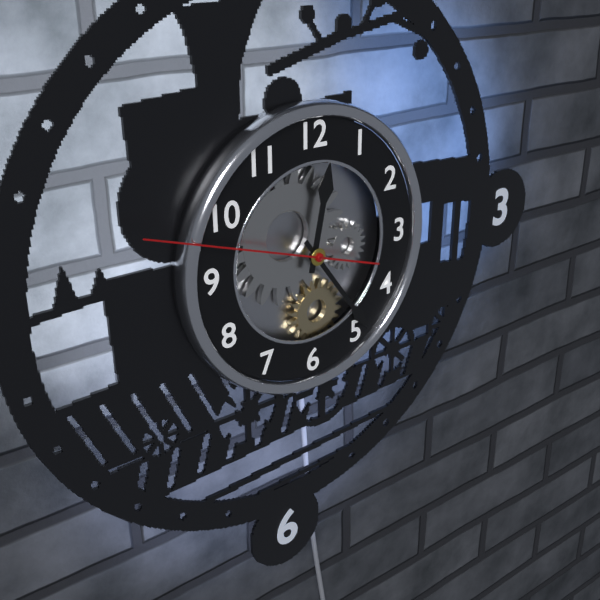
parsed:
12 h 24 min 48 s
